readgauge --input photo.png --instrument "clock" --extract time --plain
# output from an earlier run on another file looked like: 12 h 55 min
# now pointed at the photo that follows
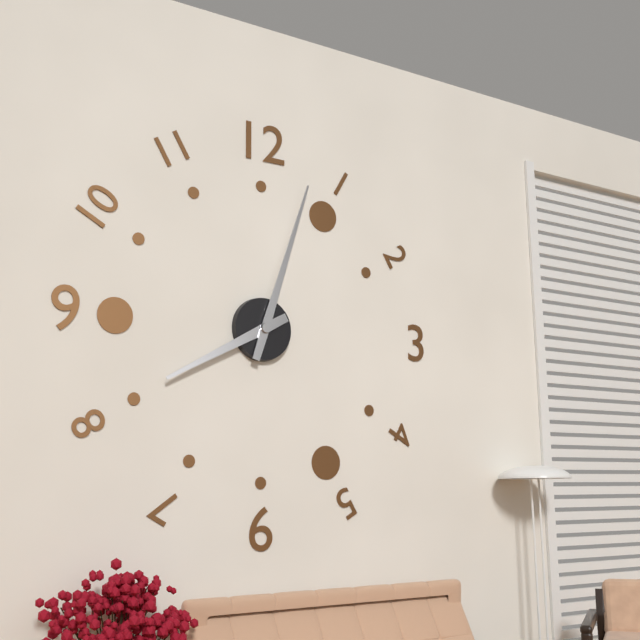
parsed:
8 h 03 min
